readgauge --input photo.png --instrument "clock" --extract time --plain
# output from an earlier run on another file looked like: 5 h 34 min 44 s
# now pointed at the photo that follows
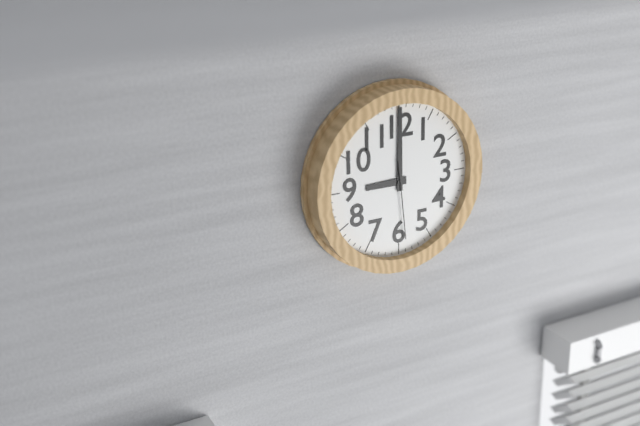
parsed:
9 h 00 min 29 s
